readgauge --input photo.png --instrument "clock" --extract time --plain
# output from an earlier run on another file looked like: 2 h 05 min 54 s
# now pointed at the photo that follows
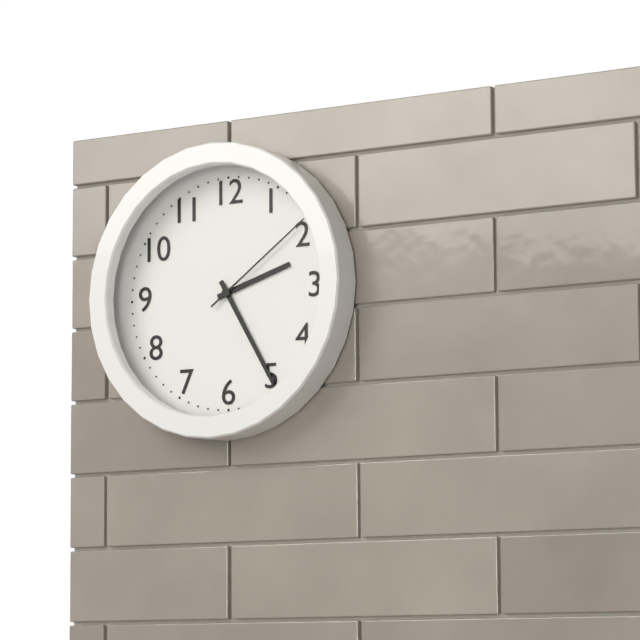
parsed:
2 h 25 min 09 s
